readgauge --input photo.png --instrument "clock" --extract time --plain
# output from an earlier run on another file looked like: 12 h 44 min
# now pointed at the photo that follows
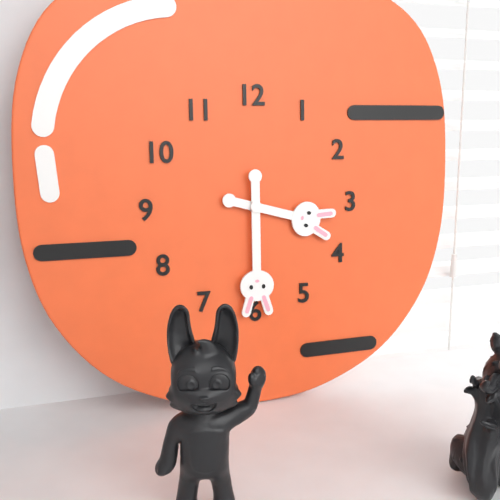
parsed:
3 h 30 min
